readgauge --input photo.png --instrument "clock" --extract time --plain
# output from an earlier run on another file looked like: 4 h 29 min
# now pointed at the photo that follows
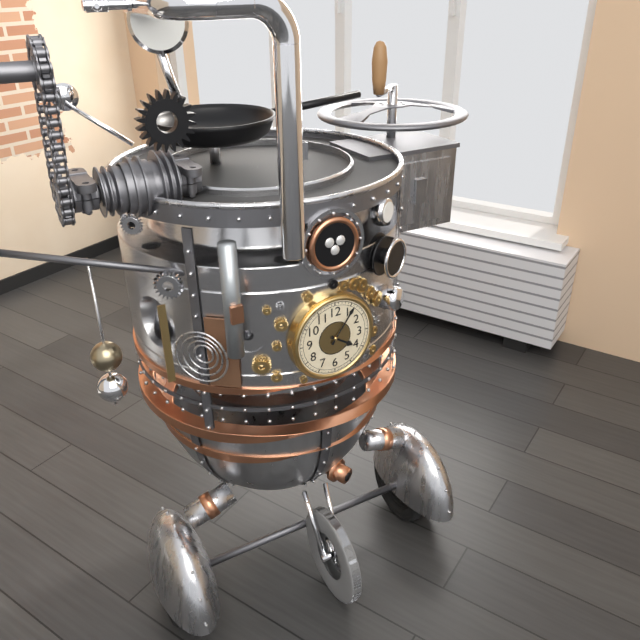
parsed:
4 h 06 min
